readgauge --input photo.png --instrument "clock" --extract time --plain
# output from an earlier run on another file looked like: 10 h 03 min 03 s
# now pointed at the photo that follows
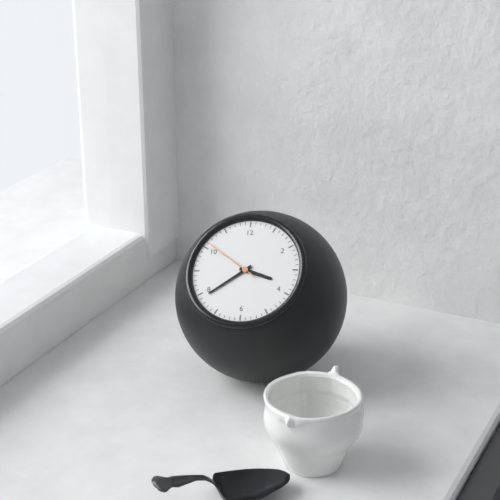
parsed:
3 h 39 min 51 s
